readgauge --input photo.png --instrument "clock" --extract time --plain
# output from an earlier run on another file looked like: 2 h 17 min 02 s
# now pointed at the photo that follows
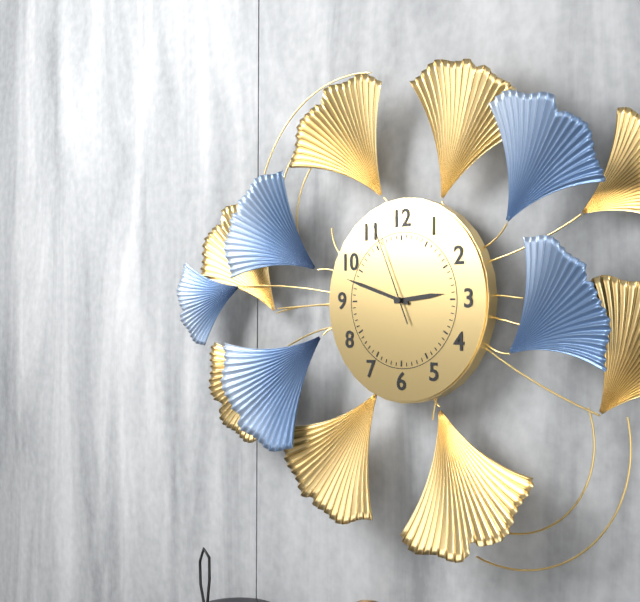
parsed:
2 h 48 min 56 s
